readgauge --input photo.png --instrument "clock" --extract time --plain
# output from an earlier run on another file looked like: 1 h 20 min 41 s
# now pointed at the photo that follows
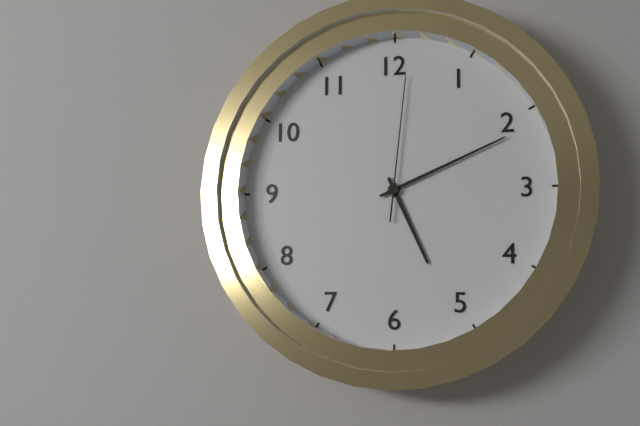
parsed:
5 h 11 min 01 s
